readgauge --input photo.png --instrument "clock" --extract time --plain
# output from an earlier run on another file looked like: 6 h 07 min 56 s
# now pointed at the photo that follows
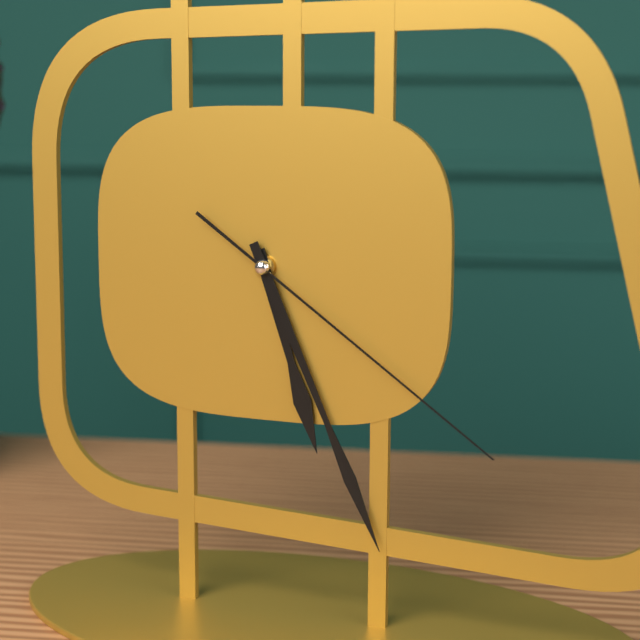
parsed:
5 h 26 min 21 s
